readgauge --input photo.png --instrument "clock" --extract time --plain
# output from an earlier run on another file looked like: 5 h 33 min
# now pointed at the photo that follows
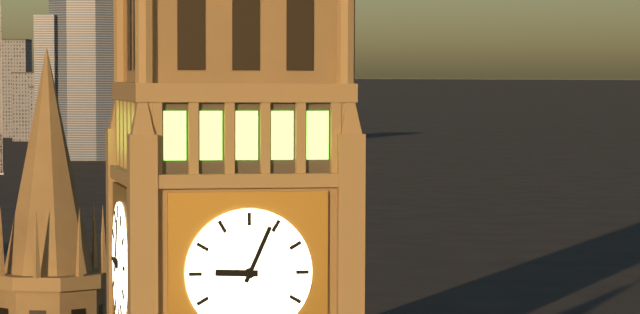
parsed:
9 h 04 min
